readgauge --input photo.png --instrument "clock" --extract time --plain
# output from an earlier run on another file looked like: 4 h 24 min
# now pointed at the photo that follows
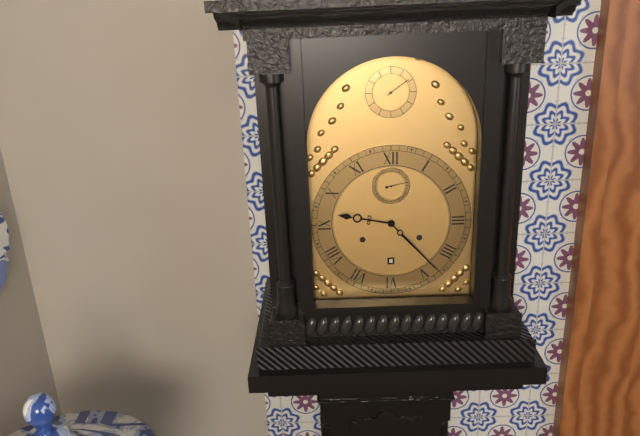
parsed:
9 h 23 min
